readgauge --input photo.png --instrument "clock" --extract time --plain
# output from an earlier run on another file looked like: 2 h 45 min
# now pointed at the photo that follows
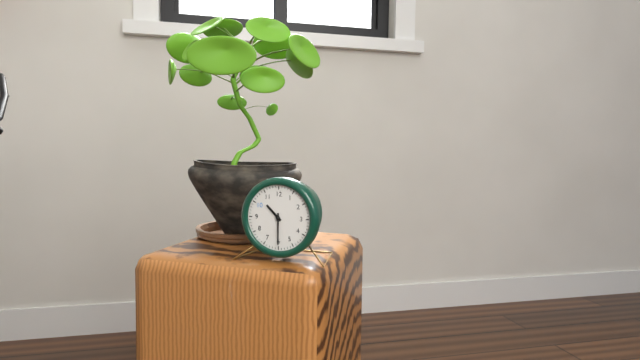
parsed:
10 h 30 min
